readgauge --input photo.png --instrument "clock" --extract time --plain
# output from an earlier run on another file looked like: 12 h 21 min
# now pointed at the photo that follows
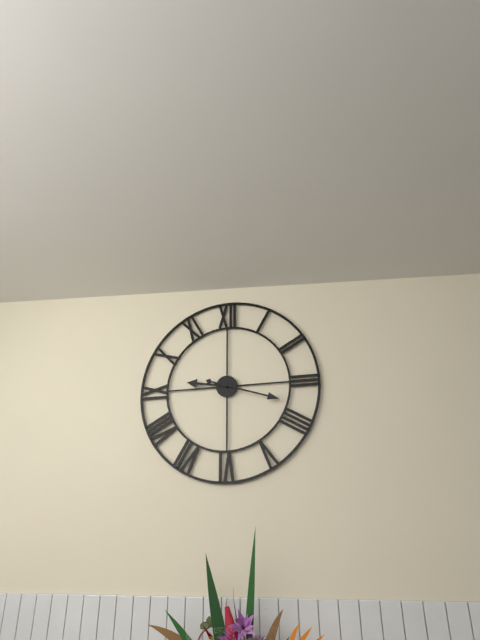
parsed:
9 h 18 min
